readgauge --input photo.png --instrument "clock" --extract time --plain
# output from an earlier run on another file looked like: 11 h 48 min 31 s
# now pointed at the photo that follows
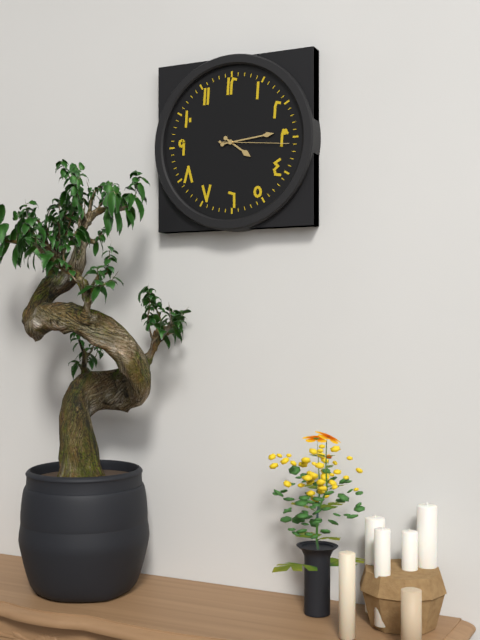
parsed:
4 h 14 min 16 s
